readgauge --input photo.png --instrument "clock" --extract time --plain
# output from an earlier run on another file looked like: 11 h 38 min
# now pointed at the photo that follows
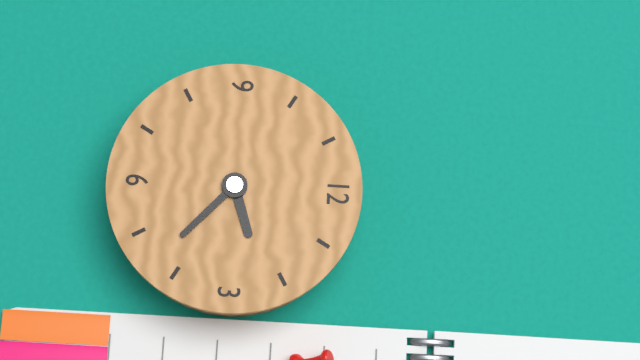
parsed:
2 h 22 min
